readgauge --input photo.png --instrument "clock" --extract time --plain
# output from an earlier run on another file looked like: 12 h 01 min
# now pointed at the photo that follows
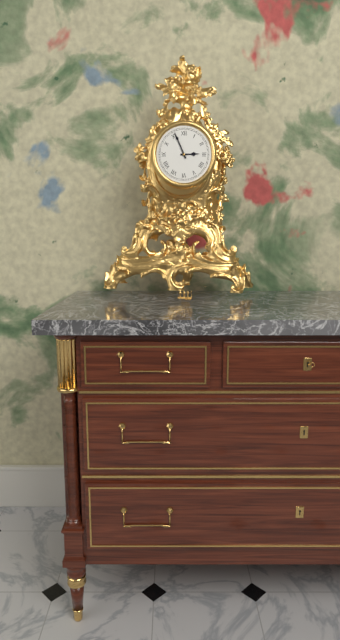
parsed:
2 h 56 min
